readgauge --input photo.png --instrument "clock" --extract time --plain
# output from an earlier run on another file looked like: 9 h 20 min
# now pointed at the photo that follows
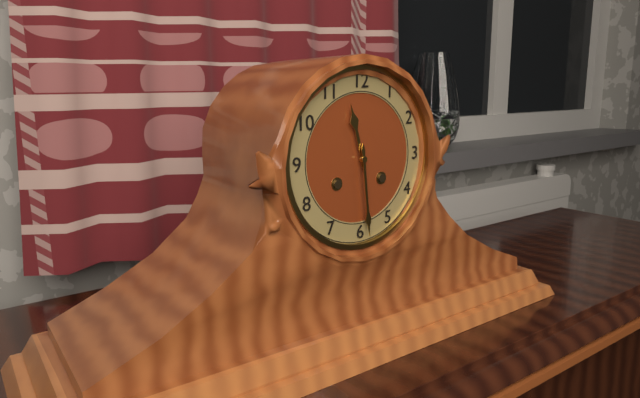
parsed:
11 h 29 min
